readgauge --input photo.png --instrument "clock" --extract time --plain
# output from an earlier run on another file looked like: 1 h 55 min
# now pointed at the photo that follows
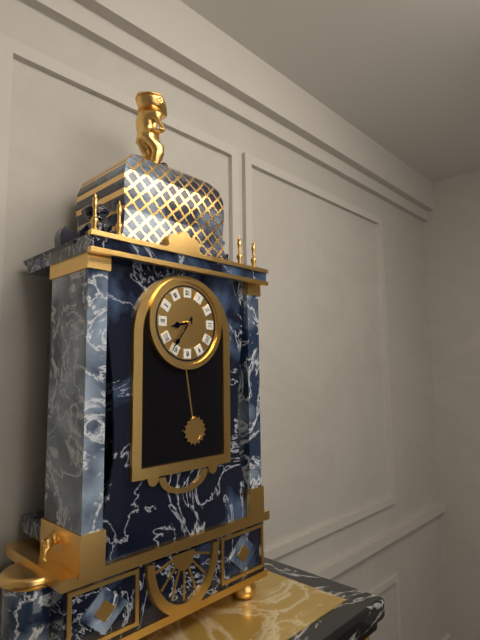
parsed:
8 h 36 min
